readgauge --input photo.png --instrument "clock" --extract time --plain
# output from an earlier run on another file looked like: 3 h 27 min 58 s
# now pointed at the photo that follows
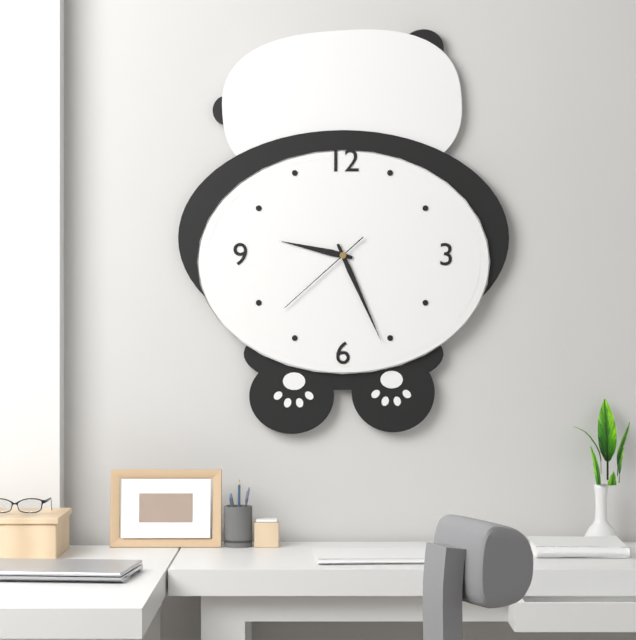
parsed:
9 h 26 min 38 s
